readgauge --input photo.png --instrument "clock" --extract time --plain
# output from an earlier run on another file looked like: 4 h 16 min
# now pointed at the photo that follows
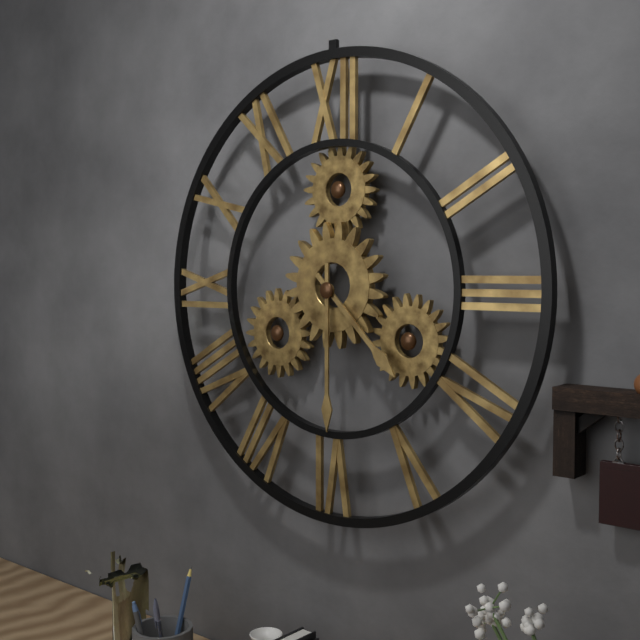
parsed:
4 h 30 min
